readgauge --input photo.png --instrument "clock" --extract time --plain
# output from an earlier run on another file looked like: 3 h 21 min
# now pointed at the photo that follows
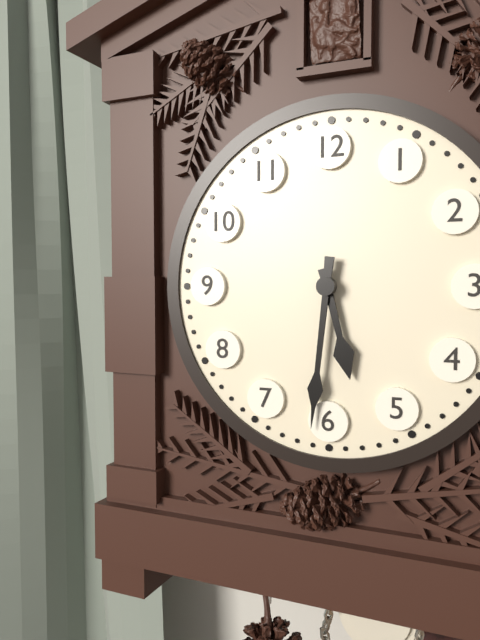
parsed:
5 h 31 min
